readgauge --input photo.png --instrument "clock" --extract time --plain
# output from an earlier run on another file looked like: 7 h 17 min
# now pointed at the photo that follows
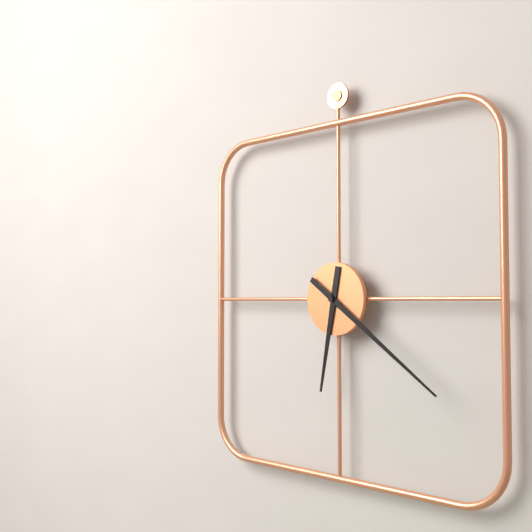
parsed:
6 h 21 min
